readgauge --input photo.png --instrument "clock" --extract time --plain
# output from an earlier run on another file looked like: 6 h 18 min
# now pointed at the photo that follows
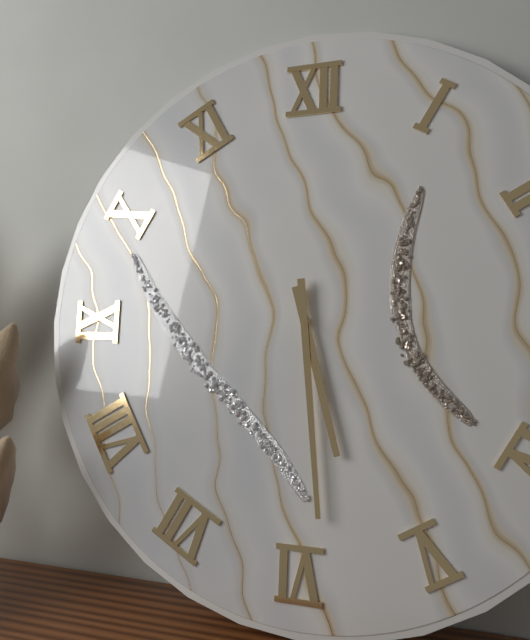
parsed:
5 h 29 min
